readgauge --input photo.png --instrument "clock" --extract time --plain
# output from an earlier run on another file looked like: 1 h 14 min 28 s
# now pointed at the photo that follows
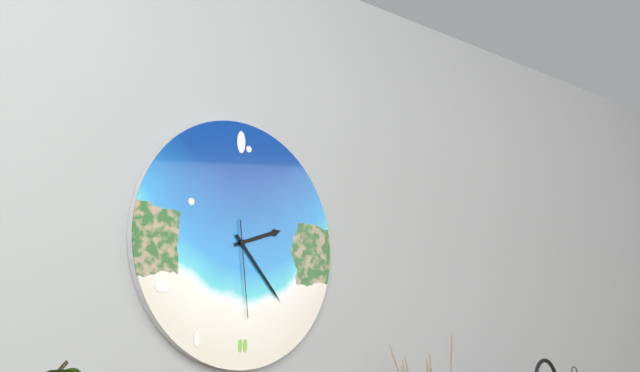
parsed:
2 h 23 min 29 s
